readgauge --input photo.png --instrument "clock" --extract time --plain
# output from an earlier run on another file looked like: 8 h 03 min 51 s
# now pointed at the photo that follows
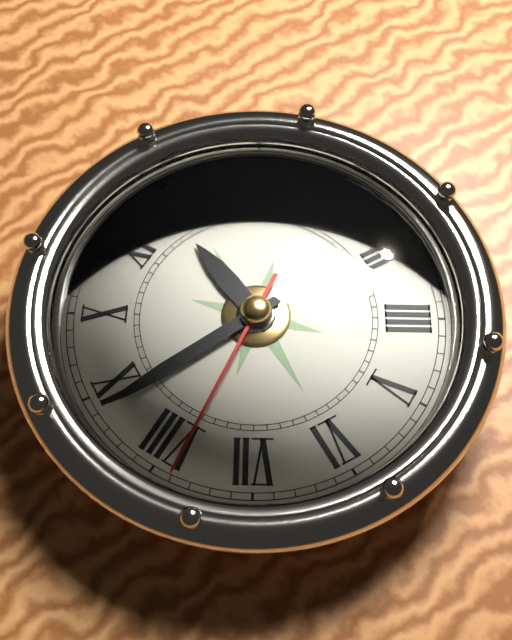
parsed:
11 h 44 min 39 s
